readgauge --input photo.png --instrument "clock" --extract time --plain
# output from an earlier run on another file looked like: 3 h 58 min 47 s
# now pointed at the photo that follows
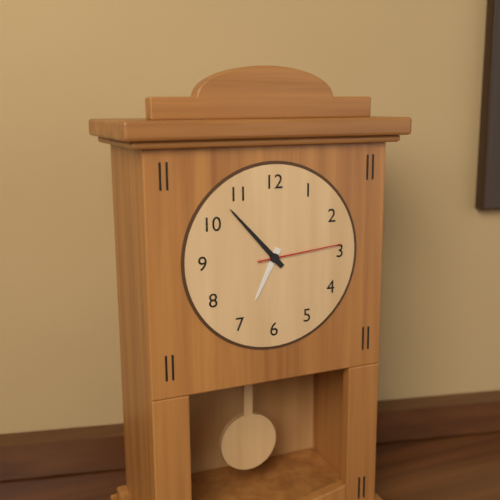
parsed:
6 h 53 min 14 s
